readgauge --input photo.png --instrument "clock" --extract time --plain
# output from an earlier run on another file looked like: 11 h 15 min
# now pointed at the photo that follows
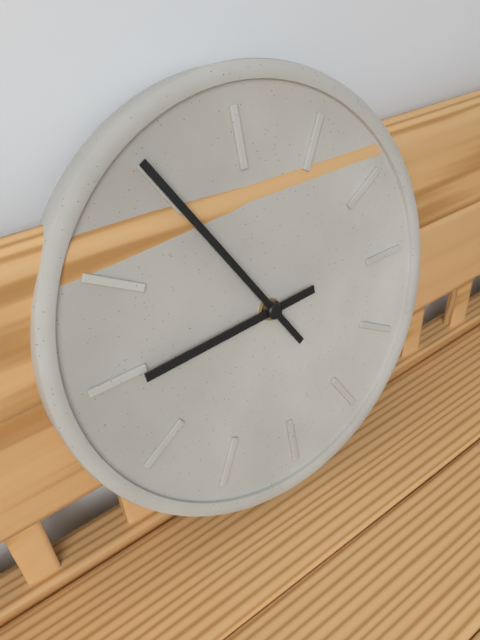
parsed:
8 h 55 min
